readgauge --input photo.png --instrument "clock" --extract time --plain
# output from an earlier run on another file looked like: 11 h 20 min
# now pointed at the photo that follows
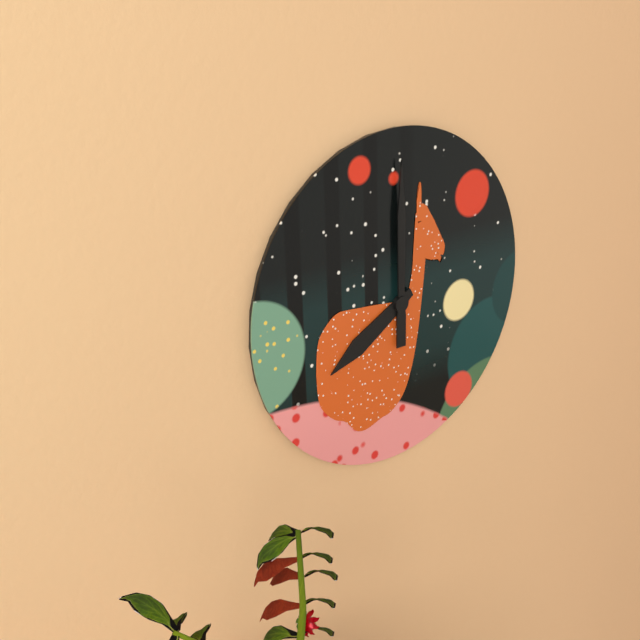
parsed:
8 h 00 min
